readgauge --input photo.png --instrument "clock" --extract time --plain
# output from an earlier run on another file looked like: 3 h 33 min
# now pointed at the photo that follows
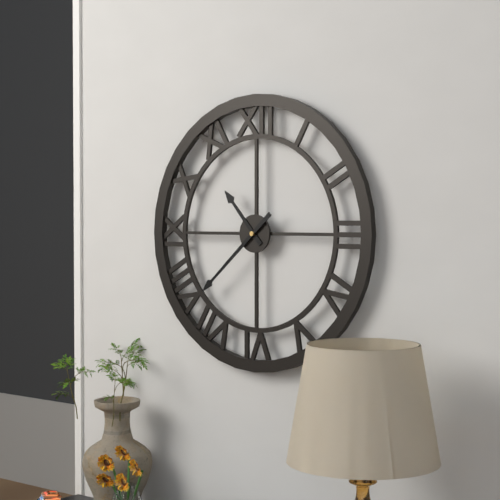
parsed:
10 h 38 min
